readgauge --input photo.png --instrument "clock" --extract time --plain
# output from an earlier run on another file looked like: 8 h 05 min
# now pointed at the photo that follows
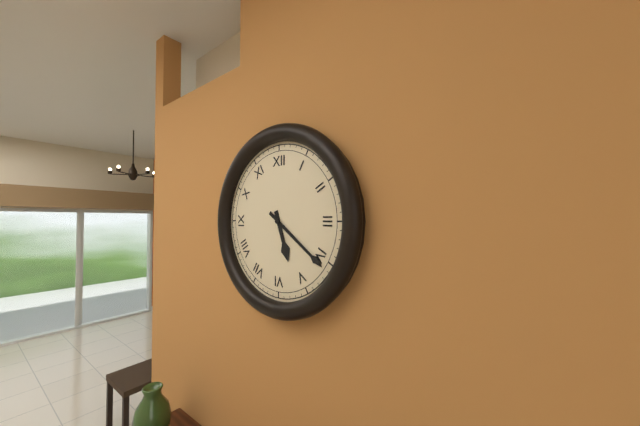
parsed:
5 h 21 min
